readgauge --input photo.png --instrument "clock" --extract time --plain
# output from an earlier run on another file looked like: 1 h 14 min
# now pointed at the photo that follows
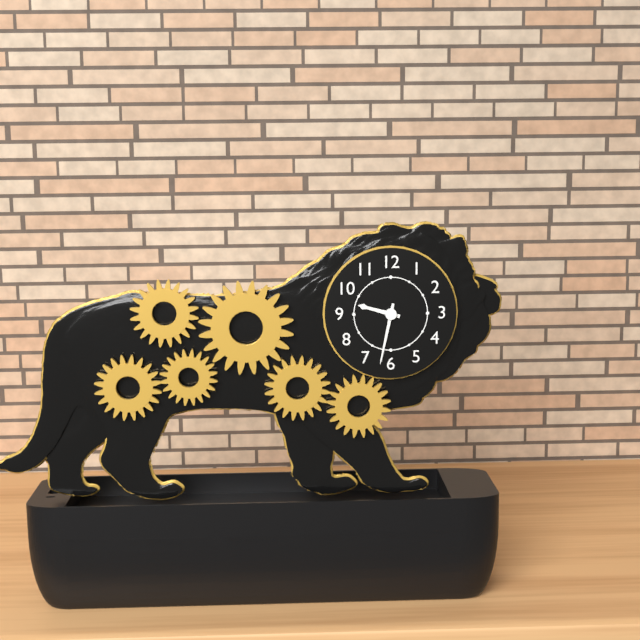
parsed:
9 h 32 min
